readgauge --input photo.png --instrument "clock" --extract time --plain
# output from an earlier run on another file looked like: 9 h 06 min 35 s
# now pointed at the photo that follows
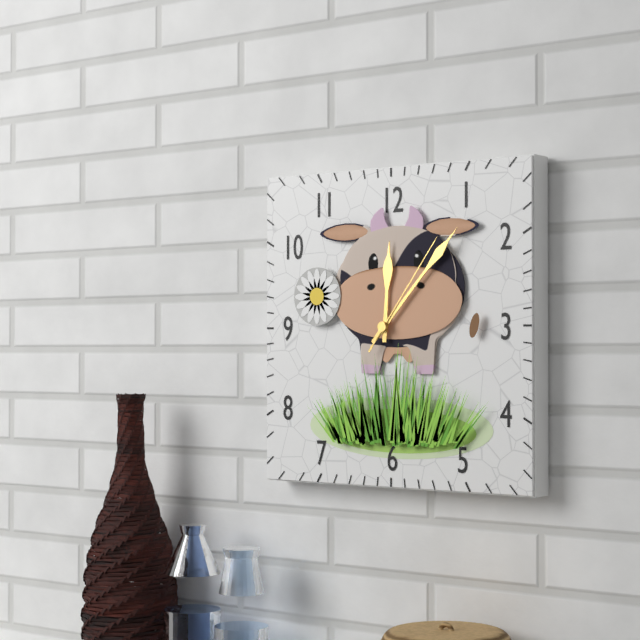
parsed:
12 h 07 min 06 s
